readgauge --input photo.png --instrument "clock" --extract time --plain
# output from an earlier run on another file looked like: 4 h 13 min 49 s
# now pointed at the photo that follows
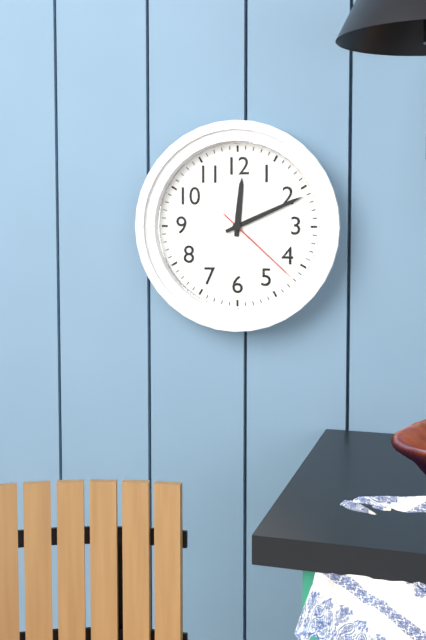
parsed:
12 h 11 min 22 s
